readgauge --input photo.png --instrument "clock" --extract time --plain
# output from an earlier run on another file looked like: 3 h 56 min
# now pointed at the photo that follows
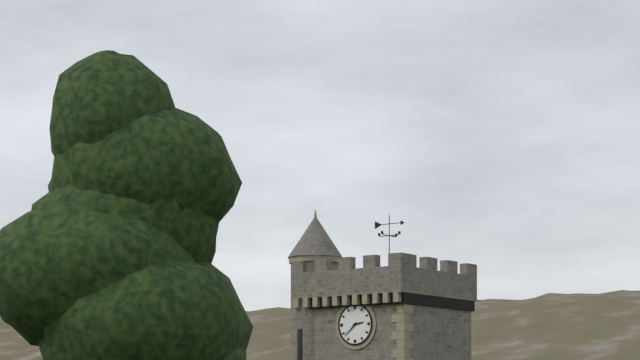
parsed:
2 h 38 min
